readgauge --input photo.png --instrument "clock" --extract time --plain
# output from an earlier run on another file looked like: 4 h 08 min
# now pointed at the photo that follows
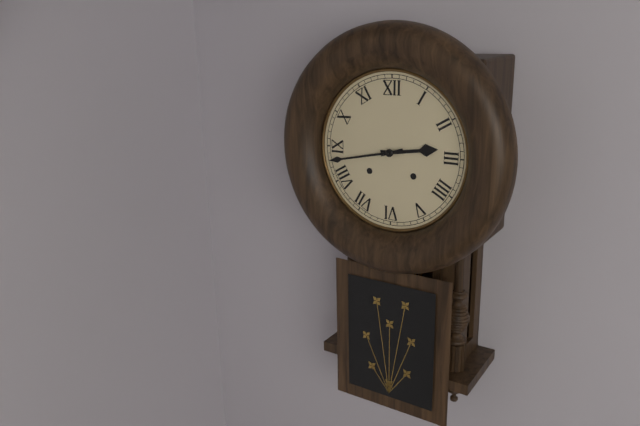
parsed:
2 h 43 min
